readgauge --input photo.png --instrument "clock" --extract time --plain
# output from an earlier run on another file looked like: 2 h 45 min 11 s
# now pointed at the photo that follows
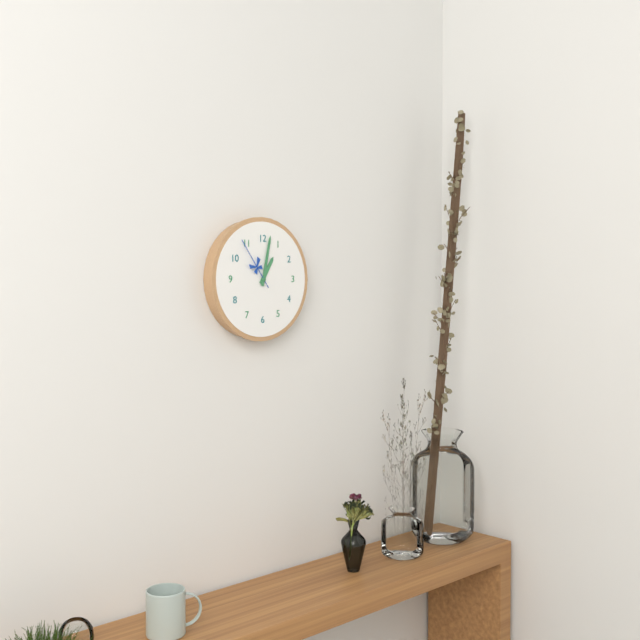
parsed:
1 h 02 min 54 s
